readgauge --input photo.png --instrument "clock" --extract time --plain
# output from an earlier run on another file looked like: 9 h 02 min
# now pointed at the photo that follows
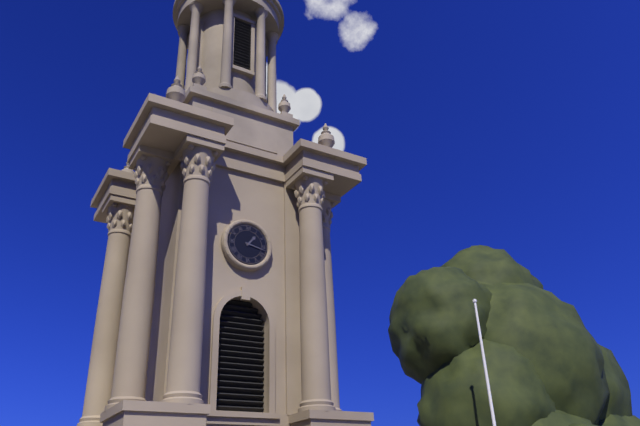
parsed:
1 h 17 min
